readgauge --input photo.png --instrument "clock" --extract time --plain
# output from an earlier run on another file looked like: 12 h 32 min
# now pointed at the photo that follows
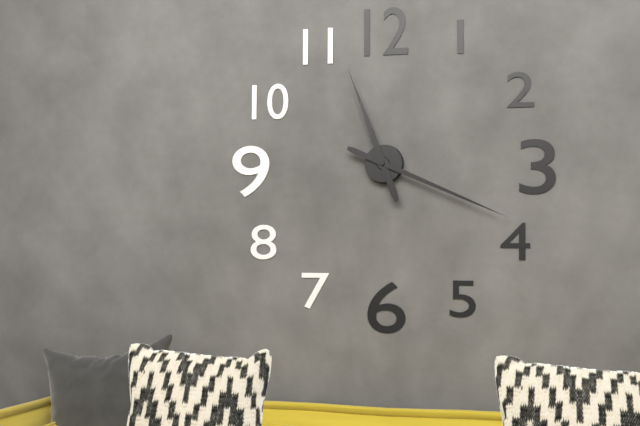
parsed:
11 h 19 min
